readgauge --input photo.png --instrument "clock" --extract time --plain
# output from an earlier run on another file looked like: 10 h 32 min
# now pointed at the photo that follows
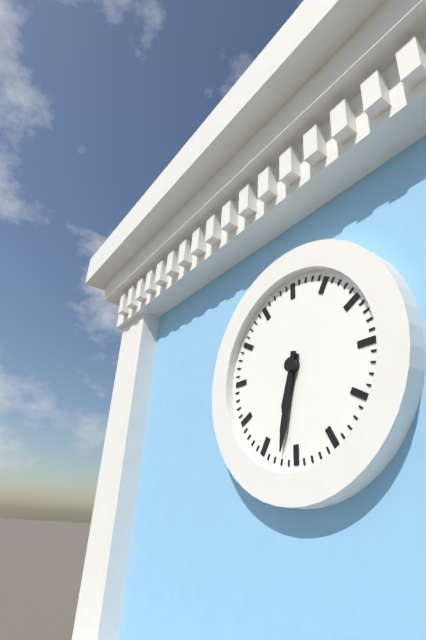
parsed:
6 h 32 min
